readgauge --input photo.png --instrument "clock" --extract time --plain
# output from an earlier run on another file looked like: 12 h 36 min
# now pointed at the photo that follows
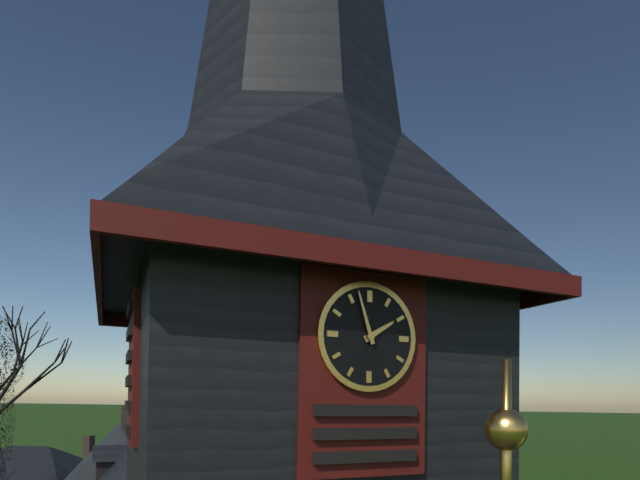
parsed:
1 h 57 min
